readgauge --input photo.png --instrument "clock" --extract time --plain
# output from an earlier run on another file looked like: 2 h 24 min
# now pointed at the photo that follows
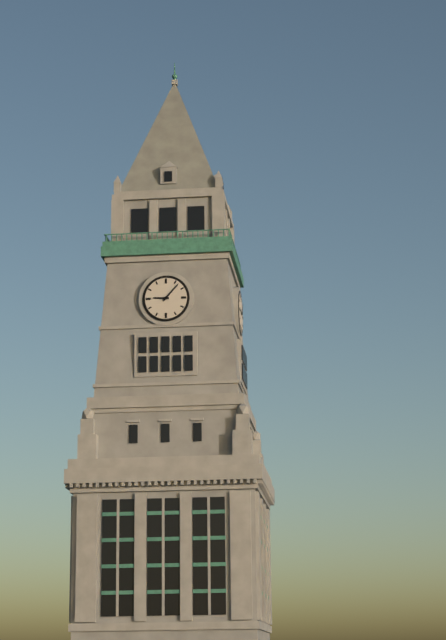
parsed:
9 h 07 min
